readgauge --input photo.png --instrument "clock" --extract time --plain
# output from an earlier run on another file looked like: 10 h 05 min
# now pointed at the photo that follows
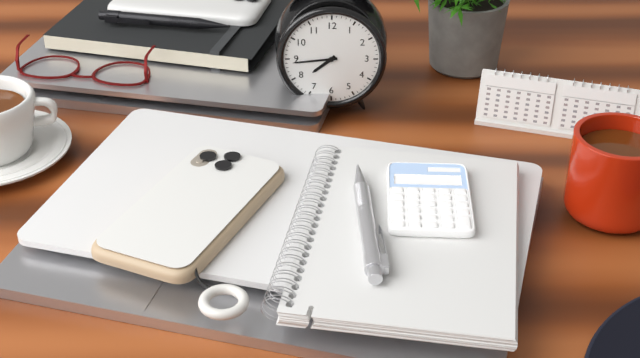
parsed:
7 h 44 min
